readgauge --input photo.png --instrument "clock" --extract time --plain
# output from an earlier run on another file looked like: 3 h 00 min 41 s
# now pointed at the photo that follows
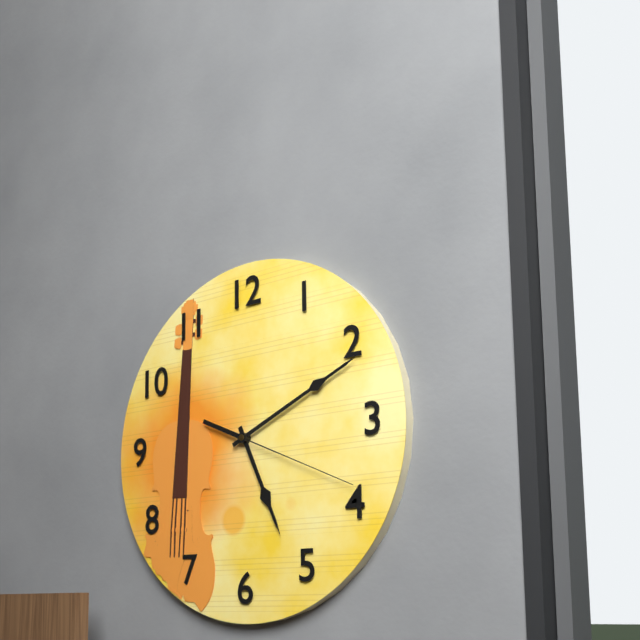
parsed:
5 h 11 min 19 s
